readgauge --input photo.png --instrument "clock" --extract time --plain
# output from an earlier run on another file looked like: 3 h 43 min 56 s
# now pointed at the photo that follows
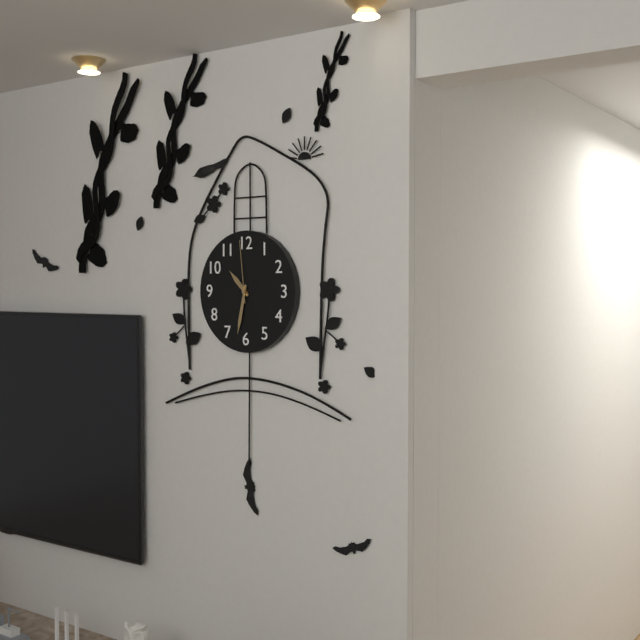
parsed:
10 h 32 min 59 s
